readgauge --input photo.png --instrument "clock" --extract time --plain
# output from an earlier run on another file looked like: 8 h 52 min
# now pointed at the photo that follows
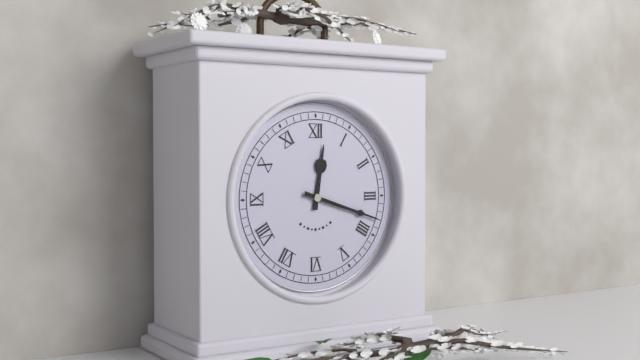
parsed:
12 h 18 min
